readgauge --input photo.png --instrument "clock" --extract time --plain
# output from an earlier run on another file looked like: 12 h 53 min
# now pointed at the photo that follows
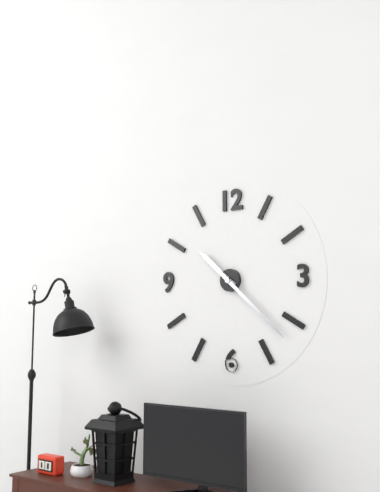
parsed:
10 h 22 min
